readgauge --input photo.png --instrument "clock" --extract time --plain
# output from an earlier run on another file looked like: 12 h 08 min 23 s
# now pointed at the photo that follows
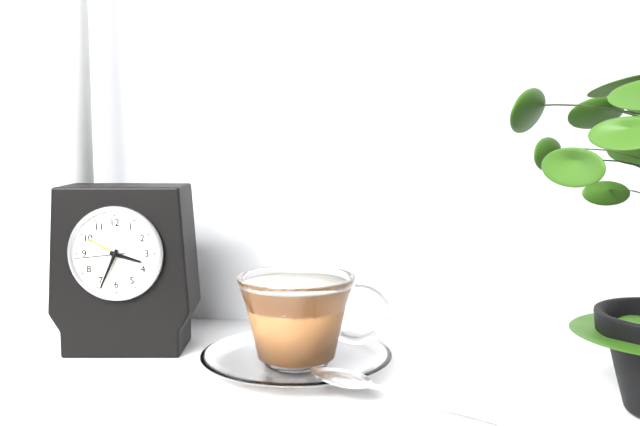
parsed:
3 h 34 min 44 s
